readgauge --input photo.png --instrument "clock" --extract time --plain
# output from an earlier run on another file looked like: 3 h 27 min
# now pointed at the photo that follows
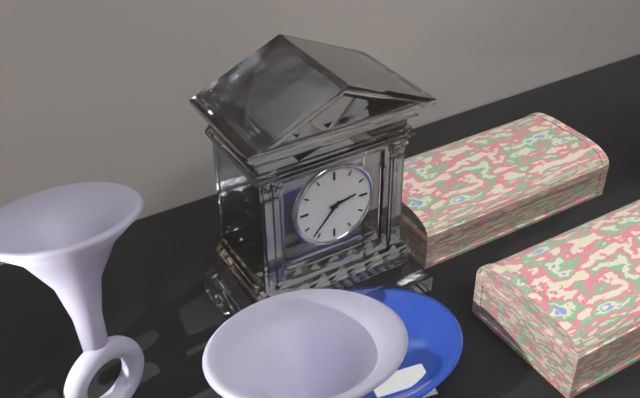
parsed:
2 h 37 min
